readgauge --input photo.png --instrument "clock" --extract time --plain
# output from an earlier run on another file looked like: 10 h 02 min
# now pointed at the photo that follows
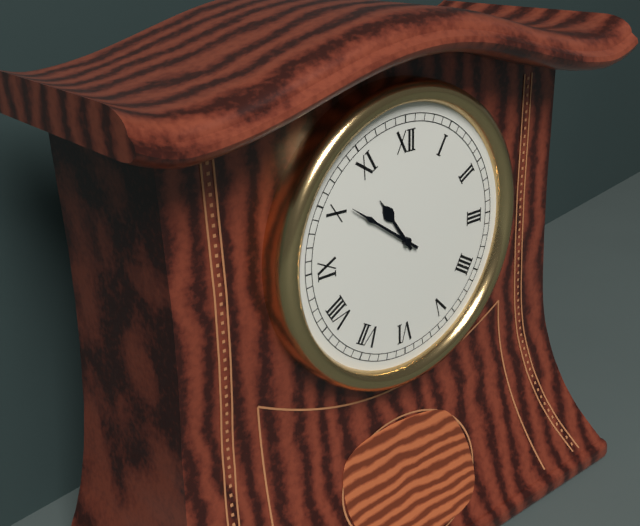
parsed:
10 h 51 min
